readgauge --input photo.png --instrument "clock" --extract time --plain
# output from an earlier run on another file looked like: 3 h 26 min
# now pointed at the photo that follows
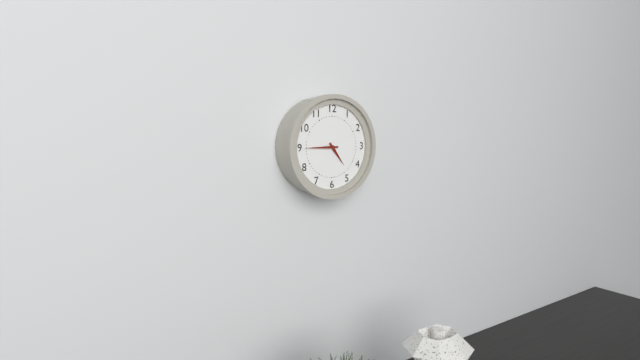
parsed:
4 h 45 min
